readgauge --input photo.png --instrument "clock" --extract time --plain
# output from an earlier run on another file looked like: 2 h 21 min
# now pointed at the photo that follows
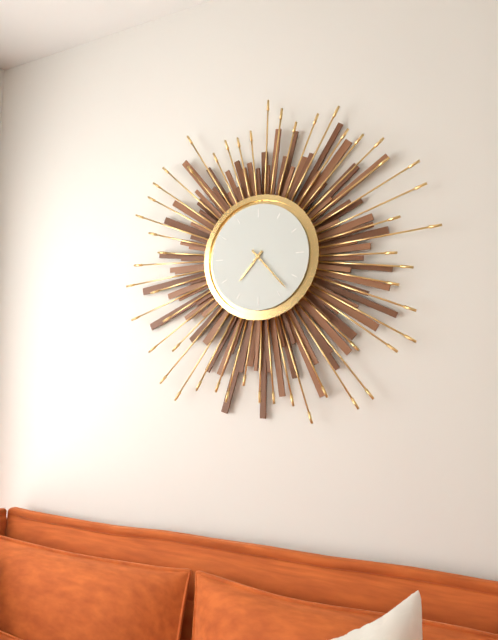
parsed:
7 h 23 min
